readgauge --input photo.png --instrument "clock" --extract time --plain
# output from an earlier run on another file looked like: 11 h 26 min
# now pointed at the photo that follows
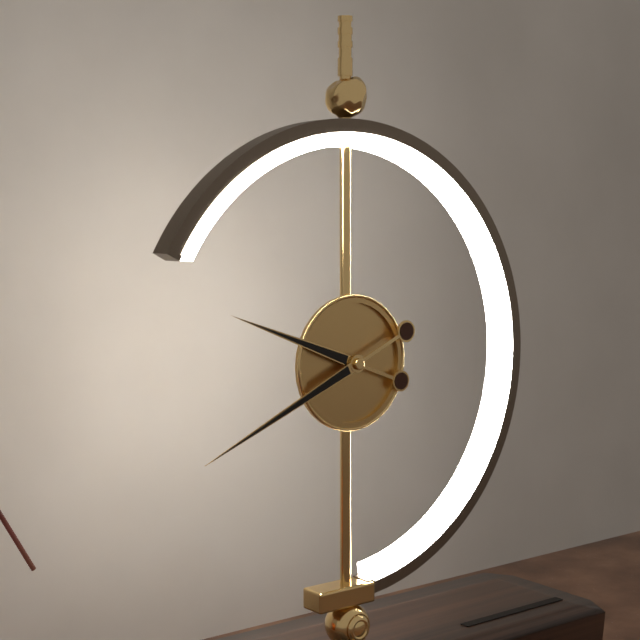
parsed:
9 h 41 min
